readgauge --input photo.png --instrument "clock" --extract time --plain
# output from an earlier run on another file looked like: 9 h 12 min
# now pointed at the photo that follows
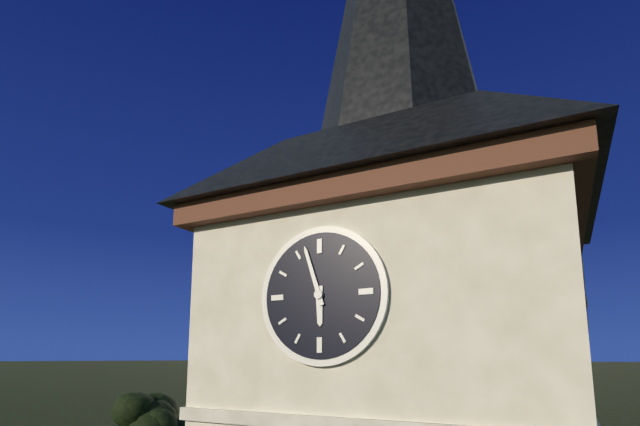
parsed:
5 h 57 min
